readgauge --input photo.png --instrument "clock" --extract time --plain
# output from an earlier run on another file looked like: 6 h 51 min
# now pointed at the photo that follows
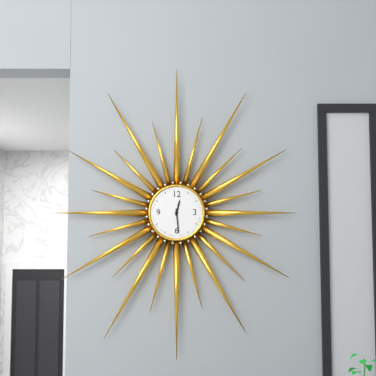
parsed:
12 h 29 min
